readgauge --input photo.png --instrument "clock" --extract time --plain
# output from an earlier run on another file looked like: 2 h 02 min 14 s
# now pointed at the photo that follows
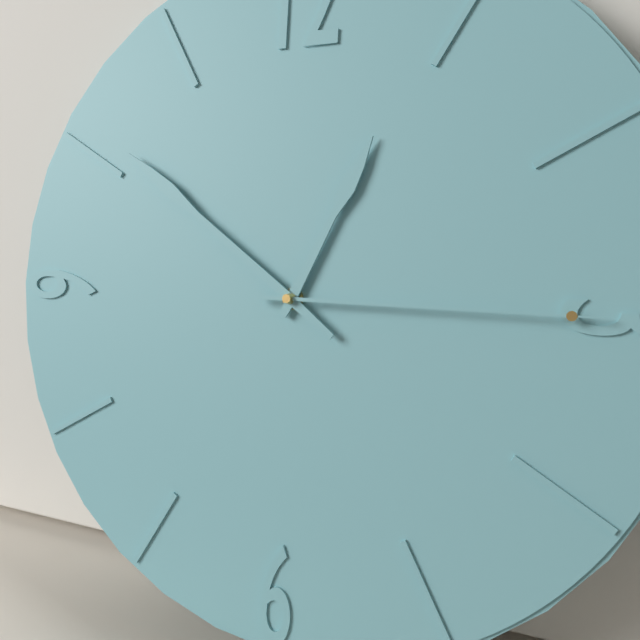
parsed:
12 h 51 min 15 s
